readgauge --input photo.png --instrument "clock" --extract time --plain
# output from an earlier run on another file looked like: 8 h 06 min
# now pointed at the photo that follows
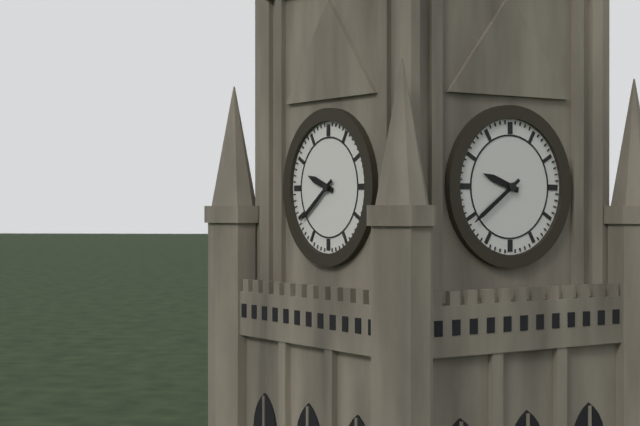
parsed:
9 h 39 min
